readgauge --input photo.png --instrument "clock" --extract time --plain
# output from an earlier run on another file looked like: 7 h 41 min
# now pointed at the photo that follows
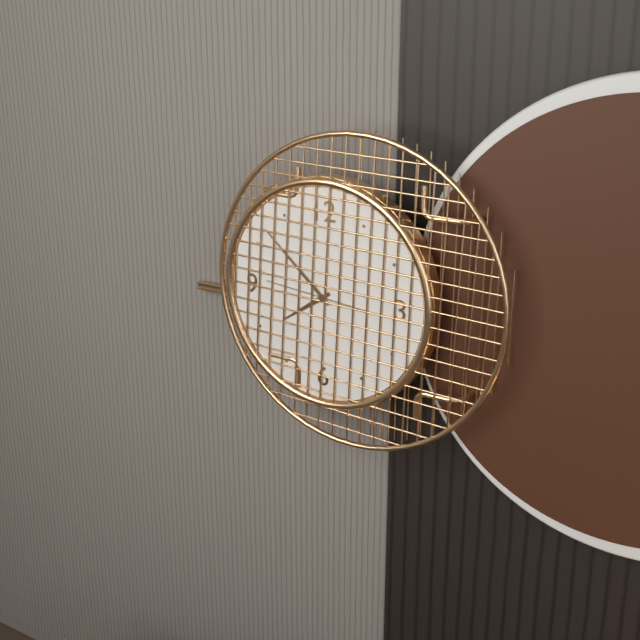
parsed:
7 h 52 min
